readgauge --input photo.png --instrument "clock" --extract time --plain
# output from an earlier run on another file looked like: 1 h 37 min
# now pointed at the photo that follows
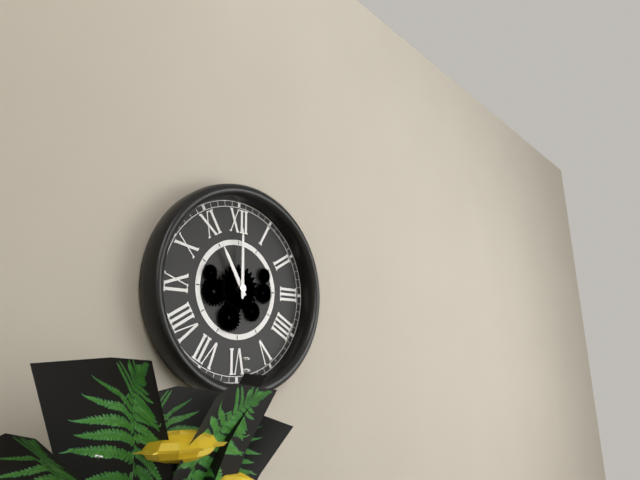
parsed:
11 h 00 min
